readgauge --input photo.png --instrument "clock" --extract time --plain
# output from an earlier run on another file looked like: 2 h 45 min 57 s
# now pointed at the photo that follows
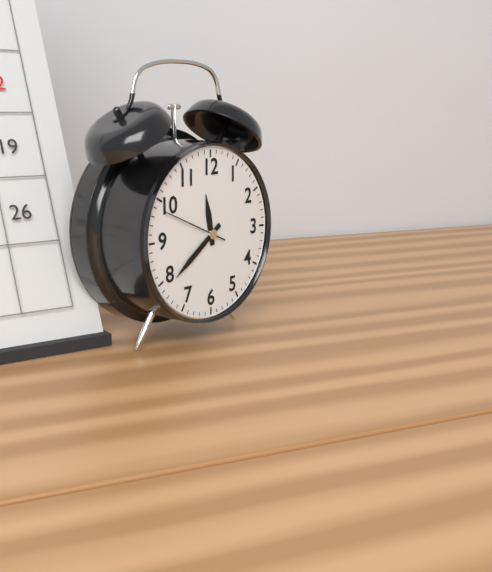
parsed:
11 h 39 min 49 s
